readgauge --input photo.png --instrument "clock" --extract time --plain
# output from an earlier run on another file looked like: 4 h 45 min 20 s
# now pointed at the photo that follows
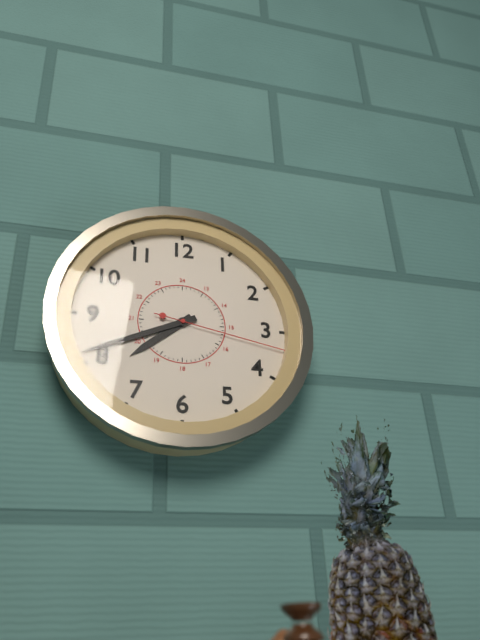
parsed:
7 h 41 min 17 s
